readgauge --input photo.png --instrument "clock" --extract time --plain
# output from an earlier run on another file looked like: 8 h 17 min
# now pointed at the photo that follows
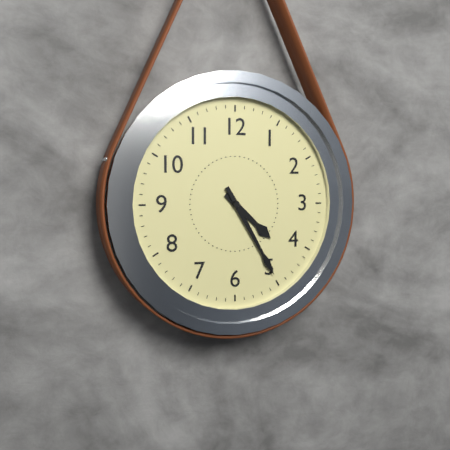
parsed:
4 h 25 min
